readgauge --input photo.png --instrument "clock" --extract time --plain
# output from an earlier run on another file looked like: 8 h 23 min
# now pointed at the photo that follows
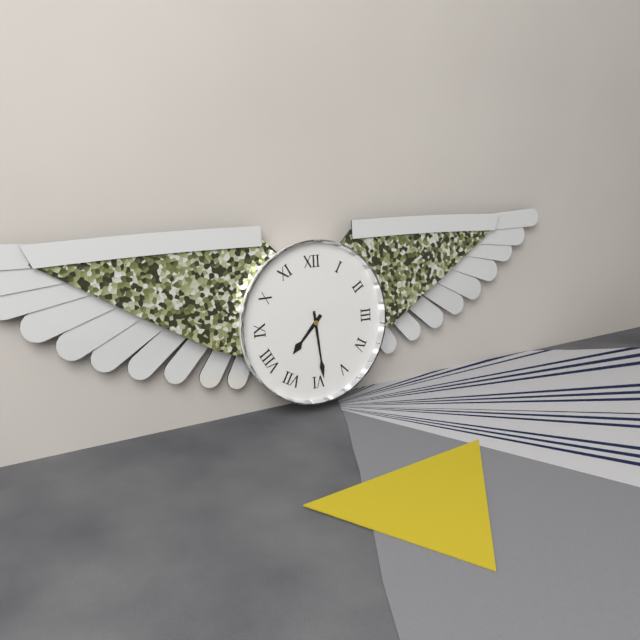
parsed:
7 h 29 min
